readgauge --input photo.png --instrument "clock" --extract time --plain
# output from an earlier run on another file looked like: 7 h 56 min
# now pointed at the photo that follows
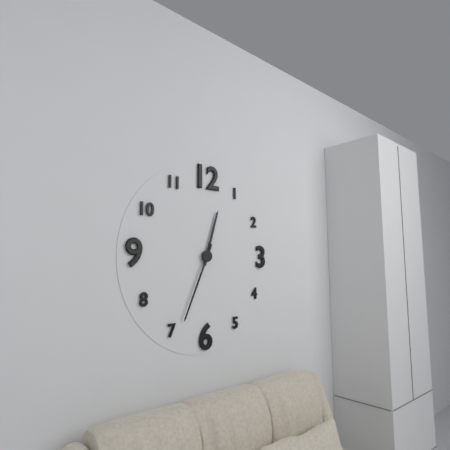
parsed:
12 h 34 min
